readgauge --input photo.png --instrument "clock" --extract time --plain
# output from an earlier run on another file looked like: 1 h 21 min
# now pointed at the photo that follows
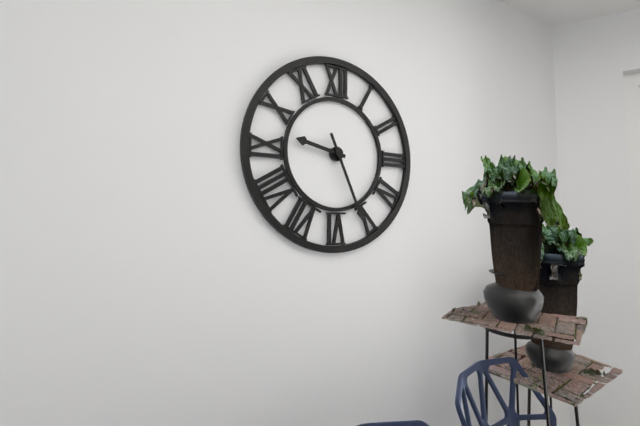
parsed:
9 h 26 min
